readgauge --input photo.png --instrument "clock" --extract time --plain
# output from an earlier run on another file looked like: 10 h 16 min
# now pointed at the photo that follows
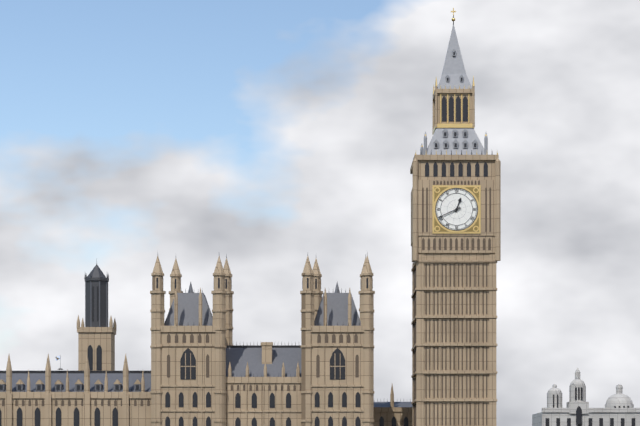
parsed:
12 h 41 min
